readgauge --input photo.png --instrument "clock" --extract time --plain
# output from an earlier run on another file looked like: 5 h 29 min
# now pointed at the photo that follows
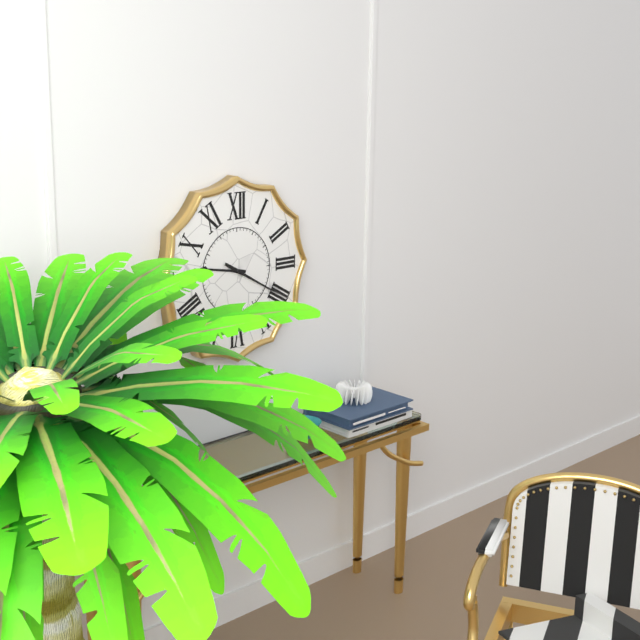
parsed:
9 h 20 min
